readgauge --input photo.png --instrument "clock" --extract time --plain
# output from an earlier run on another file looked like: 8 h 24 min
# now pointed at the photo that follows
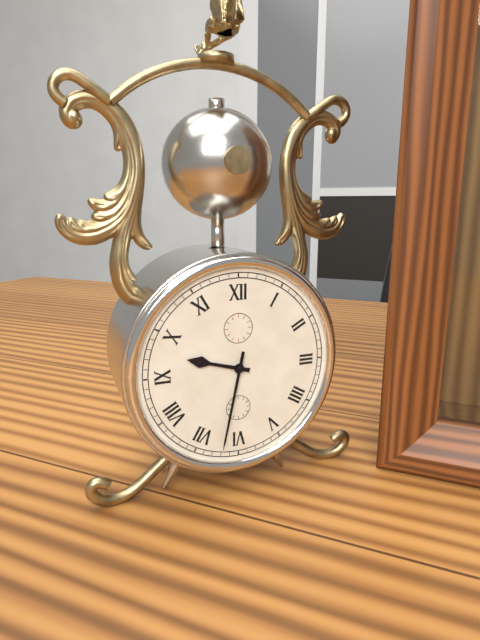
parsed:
9 h 32 min
